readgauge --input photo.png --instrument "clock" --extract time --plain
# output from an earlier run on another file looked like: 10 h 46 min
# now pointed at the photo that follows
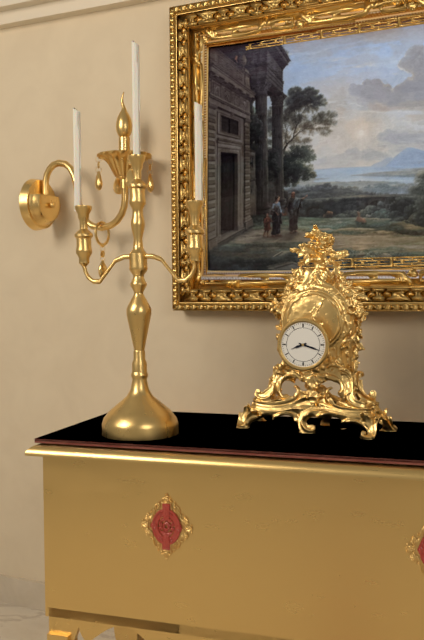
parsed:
8 h 18 min
